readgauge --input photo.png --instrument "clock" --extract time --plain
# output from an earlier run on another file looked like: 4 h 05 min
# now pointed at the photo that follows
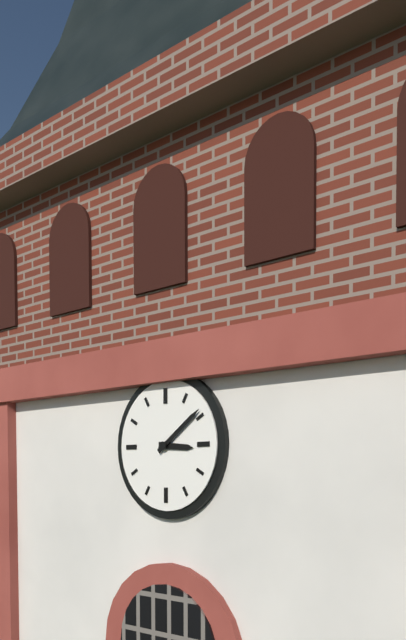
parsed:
3 h 09 min
